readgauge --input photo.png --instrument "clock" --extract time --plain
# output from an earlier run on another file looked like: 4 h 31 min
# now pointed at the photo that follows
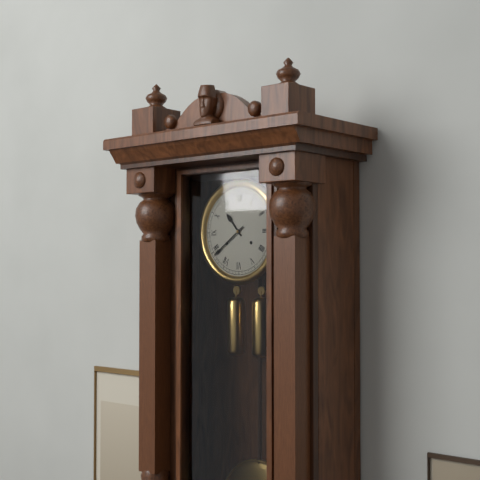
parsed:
10 h 39 min
